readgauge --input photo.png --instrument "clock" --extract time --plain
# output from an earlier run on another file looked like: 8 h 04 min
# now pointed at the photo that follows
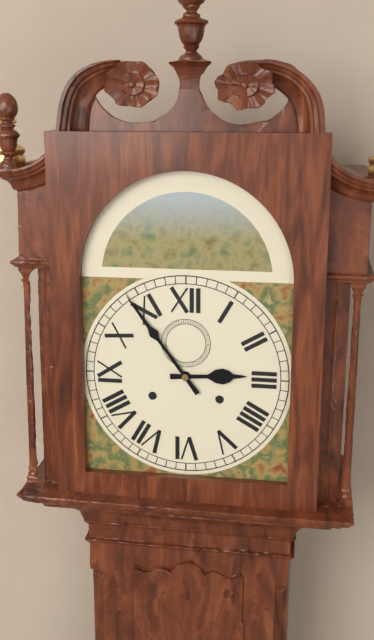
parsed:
2 h 54 min
